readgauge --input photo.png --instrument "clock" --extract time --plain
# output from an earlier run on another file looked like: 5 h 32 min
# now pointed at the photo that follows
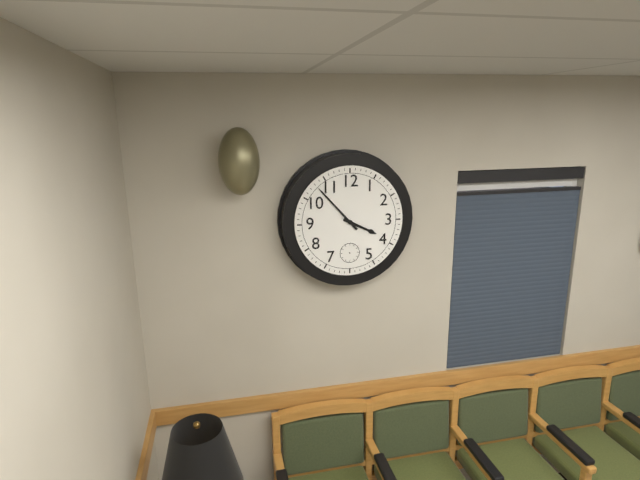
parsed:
3 h 53 min
